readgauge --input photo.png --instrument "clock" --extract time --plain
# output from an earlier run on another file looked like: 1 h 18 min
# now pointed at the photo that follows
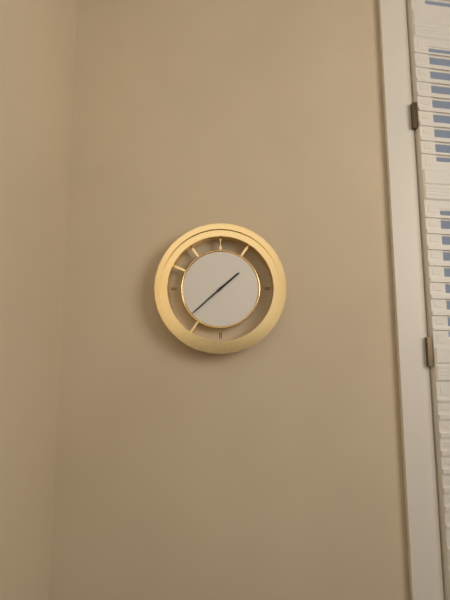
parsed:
1 h 38 min
